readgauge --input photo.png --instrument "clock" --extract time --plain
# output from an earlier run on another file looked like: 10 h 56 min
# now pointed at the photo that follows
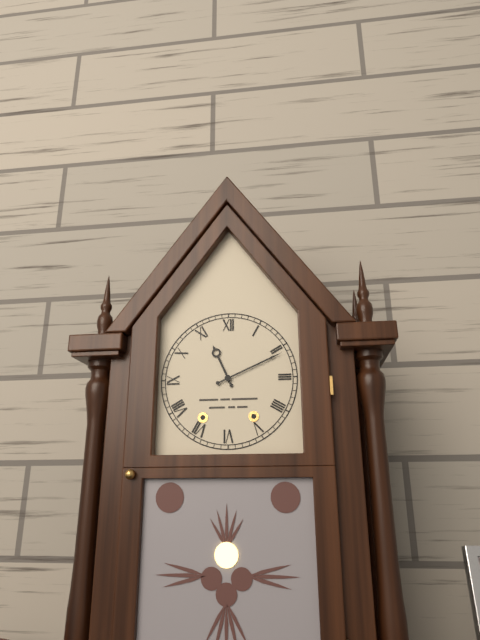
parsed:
11 h 11 min
